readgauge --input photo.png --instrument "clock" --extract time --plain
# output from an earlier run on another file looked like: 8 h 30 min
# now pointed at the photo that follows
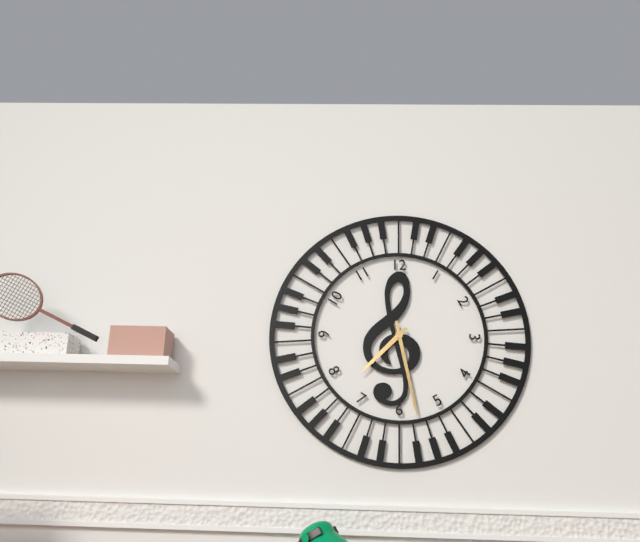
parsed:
7 h 28 min
